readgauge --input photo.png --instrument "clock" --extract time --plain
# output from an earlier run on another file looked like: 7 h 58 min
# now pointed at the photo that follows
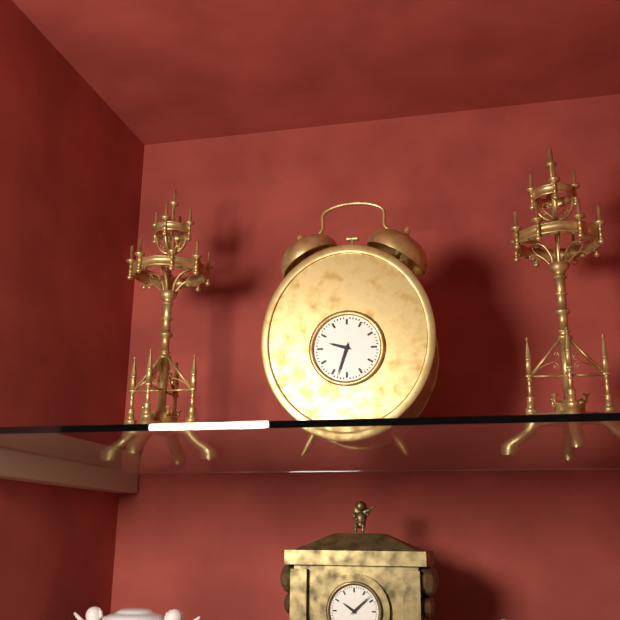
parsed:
9 h 33 min
